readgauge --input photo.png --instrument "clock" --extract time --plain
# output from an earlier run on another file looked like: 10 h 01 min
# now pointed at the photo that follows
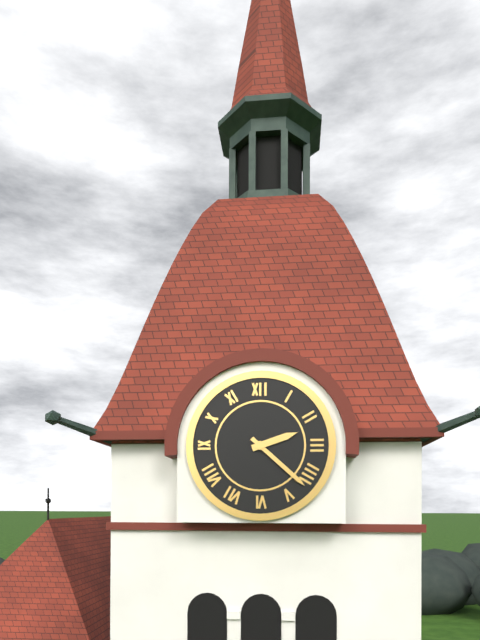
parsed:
2 h 22 min
